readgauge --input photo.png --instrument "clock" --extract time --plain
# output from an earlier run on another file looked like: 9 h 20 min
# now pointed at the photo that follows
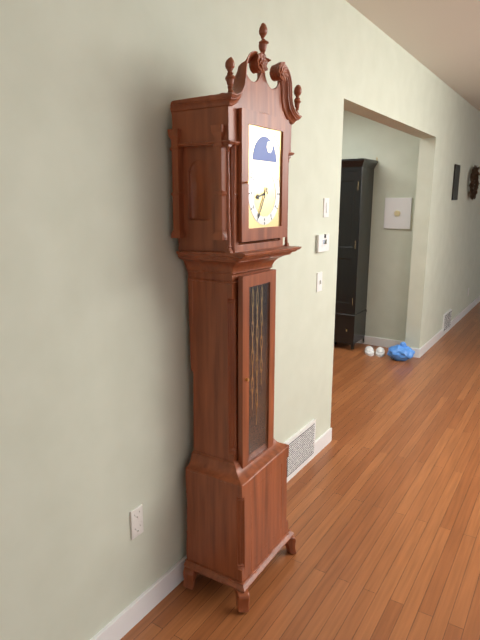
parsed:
8 h 35 min
